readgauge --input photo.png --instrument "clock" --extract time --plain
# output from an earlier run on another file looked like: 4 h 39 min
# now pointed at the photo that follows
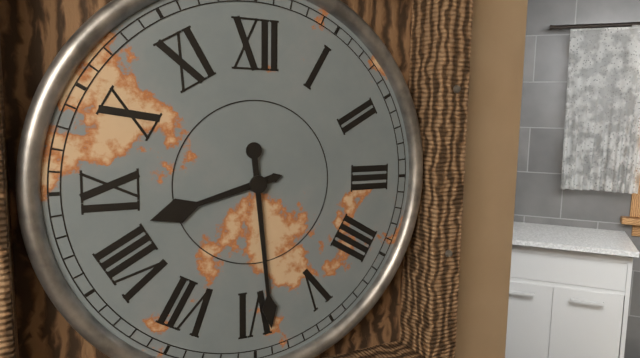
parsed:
8 h 29 min
